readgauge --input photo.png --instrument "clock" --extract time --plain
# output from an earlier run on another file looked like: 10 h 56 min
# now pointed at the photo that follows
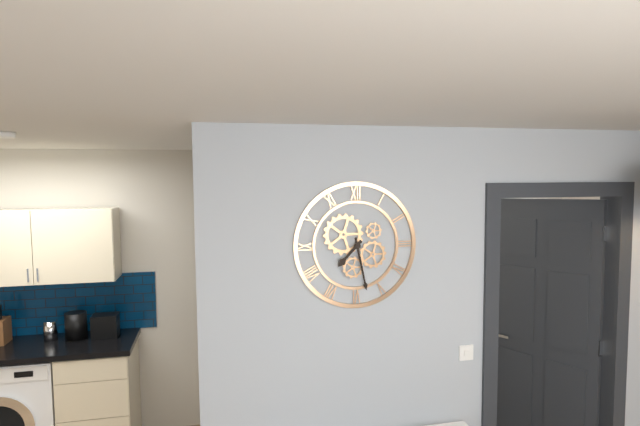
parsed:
7 h 28 min
